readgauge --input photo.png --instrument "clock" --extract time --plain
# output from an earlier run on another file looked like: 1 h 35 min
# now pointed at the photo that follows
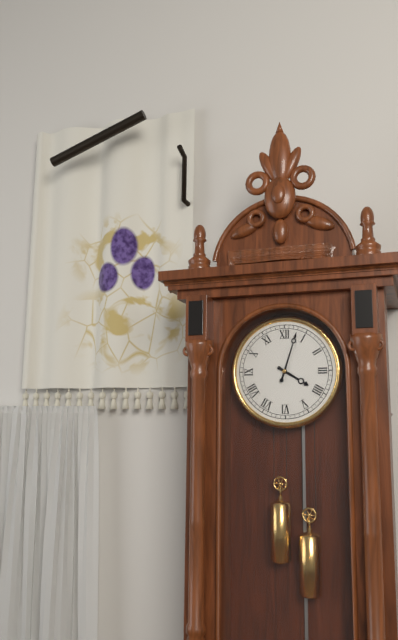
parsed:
4 h 03 min
